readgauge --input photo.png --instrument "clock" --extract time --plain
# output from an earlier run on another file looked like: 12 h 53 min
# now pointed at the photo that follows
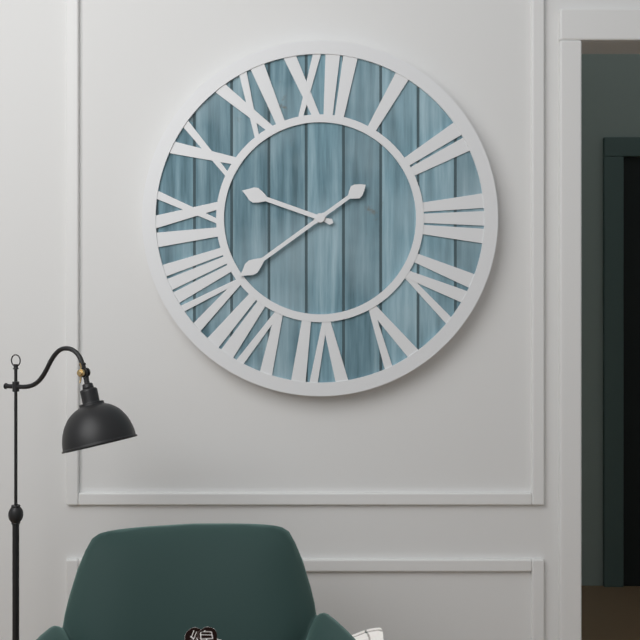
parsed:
9 h 39 min
